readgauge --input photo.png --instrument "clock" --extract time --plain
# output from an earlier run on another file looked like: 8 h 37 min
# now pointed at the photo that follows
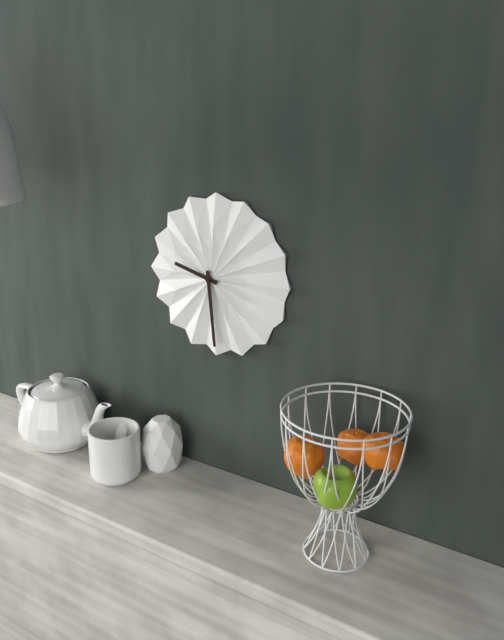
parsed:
9 h 29 min
